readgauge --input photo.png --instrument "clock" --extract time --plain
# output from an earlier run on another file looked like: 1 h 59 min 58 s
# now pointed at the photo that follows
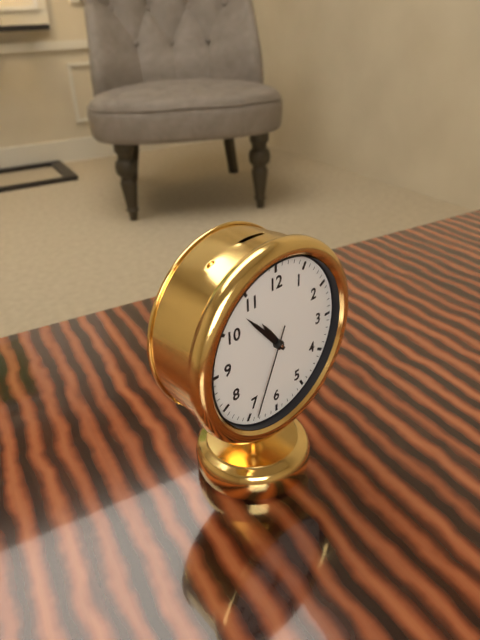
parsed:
10 h 53 min 34 s
